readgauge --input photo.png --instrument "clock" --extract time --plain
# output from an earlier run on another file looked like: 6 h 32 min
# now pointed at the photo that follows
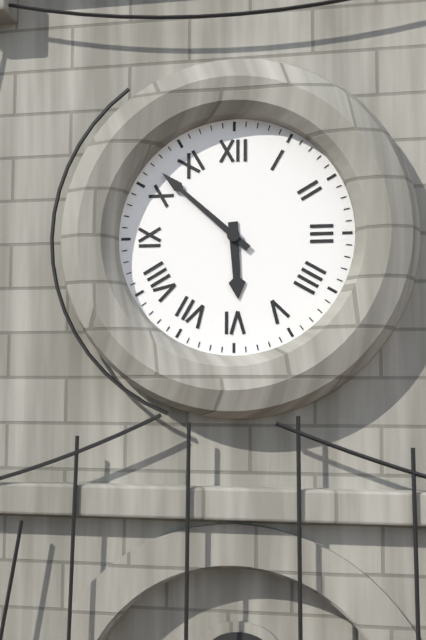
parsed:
5 h 52 min
